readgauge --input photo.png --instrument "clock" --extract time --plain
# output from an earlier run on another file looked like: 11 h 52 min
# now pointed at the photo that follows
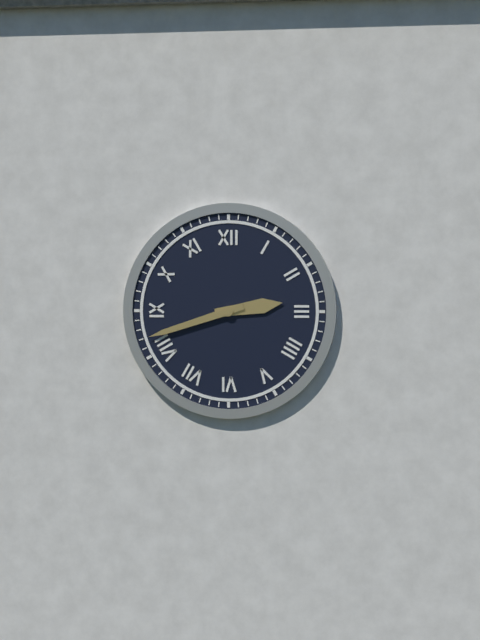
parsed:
2 h 42 min
